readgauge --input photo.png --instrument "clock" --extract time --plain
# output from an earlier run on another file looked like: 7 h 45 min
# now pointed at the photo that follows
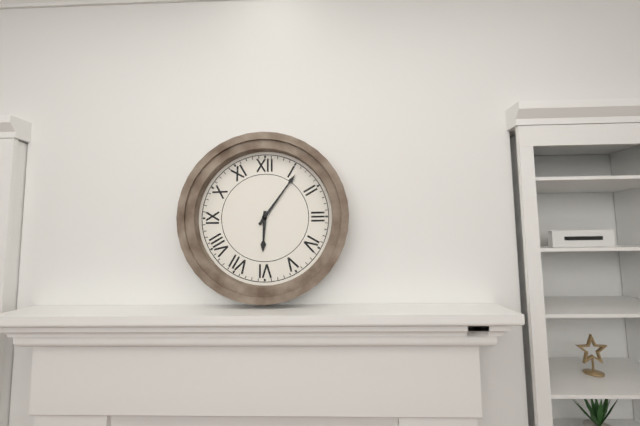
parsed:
6 h 06 min
